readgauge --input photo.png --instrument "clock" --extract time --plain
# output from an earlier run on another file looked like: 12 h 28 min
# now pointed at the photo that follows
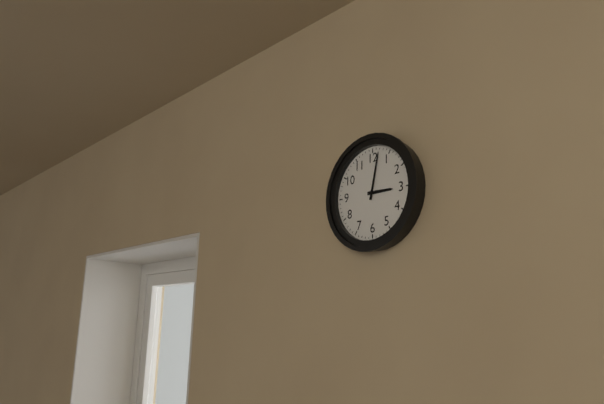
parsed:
3 h 02 min
